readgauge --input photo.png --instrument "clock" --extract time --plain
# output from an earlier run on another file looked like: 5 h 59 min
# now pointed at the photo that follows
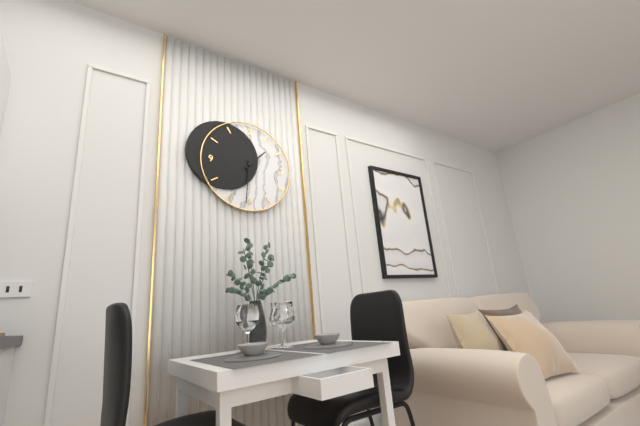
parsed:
1 h 31 min
